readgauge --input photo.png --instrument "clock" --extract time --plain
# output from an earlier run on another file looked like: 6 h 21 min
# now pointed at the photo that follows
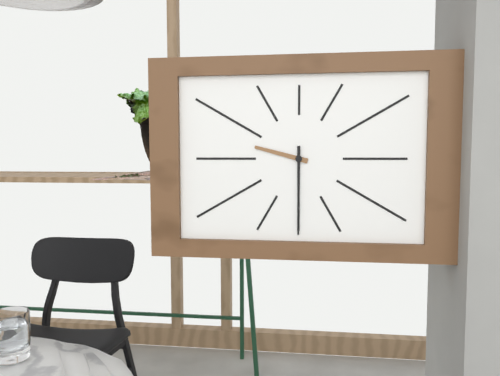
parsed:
9 h 30 min
